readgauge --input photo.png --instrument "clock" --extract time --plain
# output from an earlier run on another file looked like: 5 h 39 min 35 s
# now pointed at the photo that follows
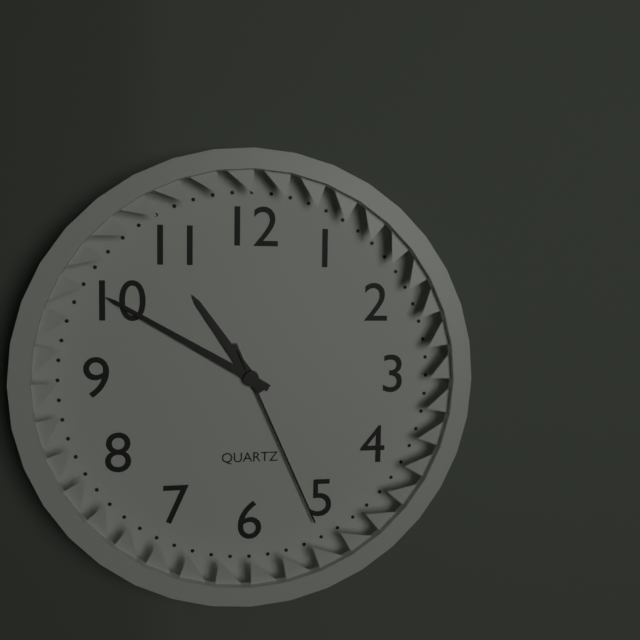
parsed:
10 h 50 min 26 s
